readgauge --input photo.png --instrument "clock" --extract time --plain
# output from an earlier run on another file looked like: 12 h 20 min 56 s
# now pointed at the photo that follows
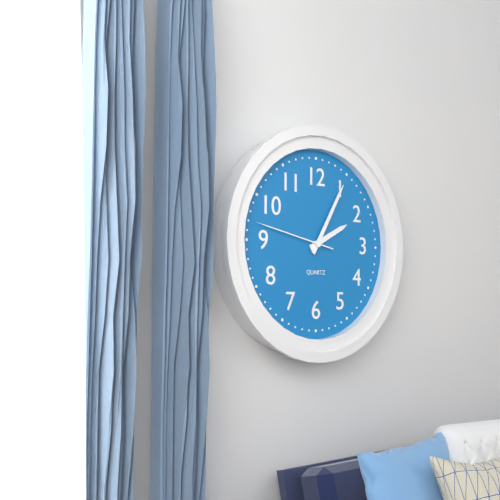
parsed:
2 h 05 min 47 s
